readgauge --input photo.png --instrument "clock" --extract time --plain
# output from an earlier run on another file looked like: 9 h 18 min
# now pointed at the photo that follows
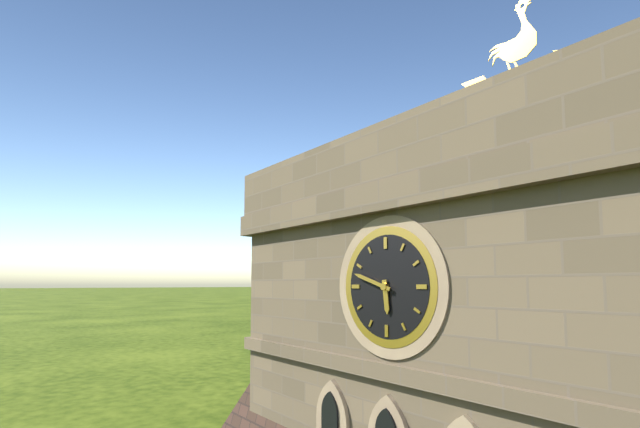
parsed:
5 h 48 min
